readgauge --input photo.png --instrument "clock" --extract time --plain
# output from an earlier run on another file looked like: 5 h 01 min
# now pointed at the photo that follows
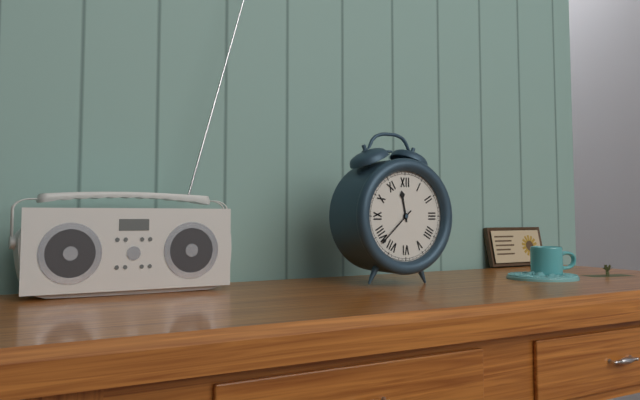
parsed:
11 h 38 min
